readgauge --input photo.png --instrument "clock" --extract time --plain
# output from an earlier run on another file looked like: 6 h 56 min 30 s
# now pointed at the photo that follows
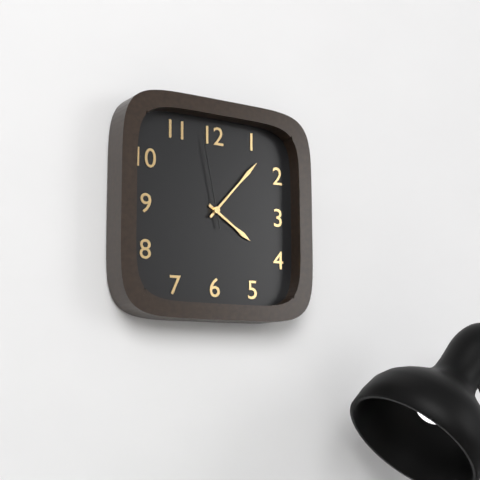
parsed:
4 h 07 min 58 s
